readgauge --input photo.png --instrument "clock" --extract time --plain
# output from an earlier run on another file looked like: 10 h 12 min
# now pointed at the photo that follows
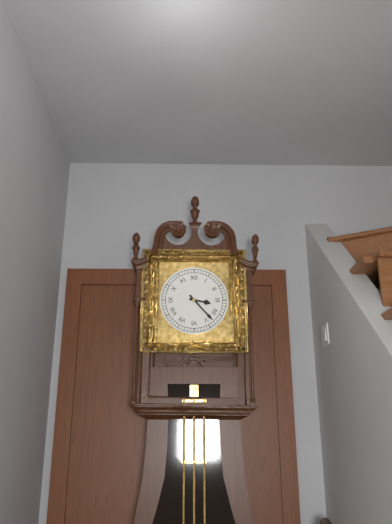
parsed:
3 h 23 min
